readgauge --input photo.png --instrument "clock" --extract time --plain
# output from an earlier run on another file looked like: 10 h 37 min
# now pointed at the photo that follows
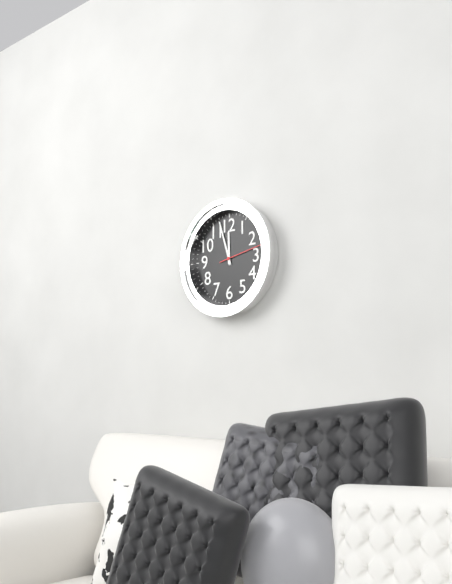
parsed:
11 h 57 min
